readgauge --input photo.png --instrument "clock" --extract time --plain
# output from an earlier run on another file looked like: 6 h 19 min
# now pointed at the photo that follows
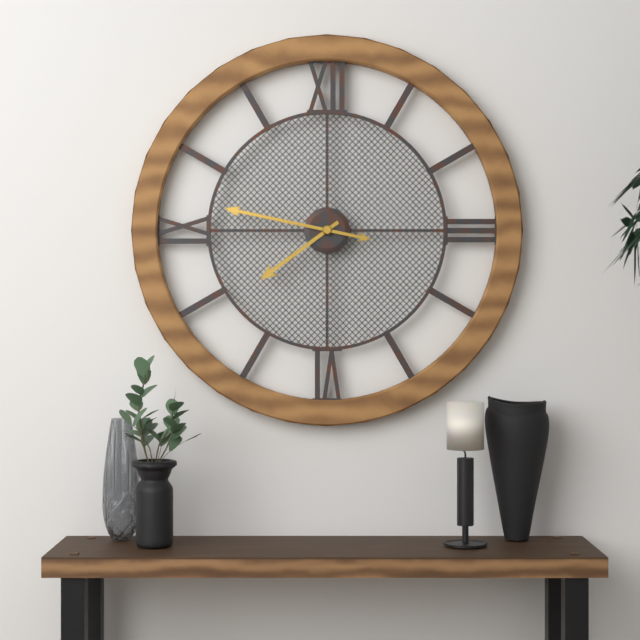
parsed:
7 h 47 min
